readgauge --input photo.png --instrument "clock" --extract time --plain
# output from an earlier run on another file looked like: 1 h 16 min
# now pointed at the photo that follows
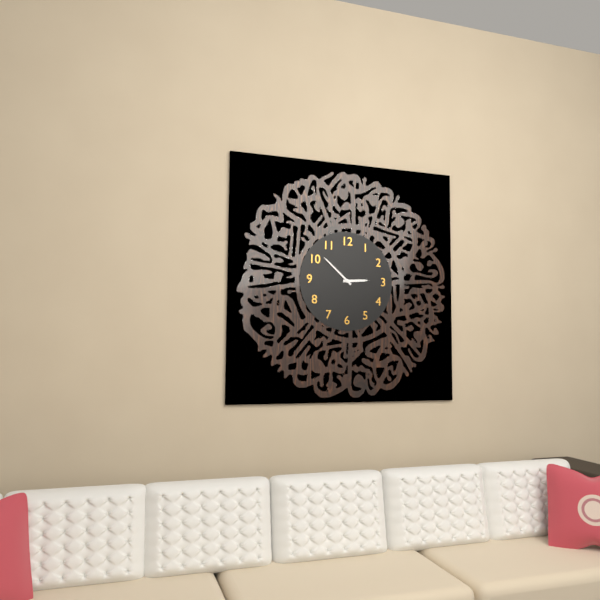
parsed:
2 h 52 min
